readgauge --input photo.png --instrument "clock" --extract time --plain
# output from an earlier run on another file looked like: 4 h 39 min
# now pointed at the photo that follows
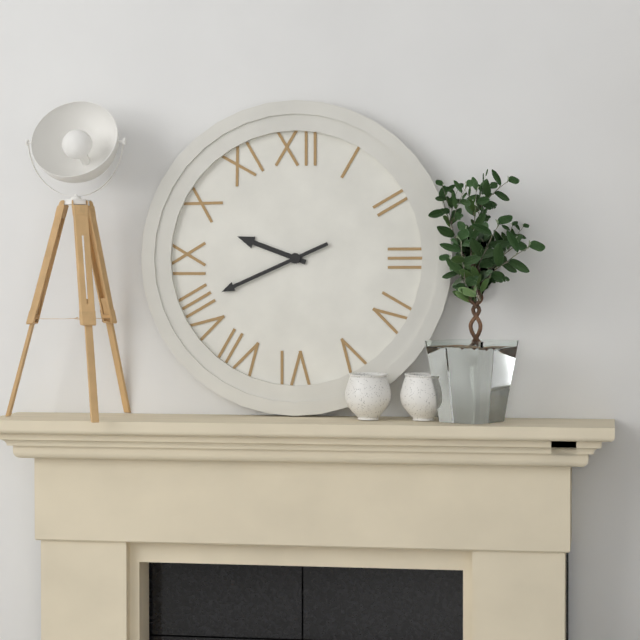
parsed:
9 h 41 min
